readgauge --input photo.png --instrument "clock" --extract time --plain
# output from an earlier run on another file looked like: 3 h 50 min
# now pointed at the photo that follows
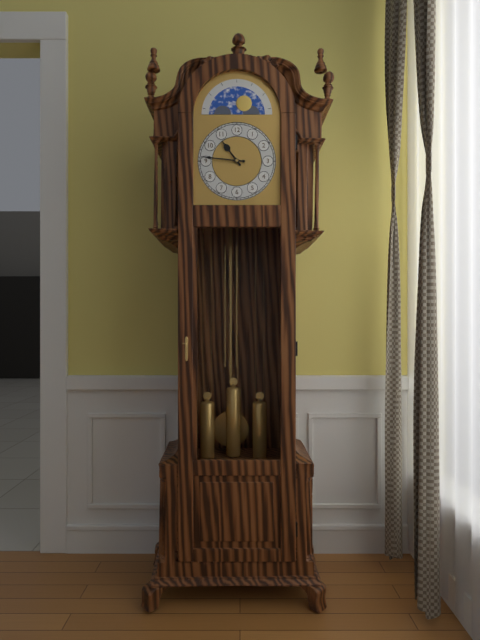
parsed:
10 h 46 min
